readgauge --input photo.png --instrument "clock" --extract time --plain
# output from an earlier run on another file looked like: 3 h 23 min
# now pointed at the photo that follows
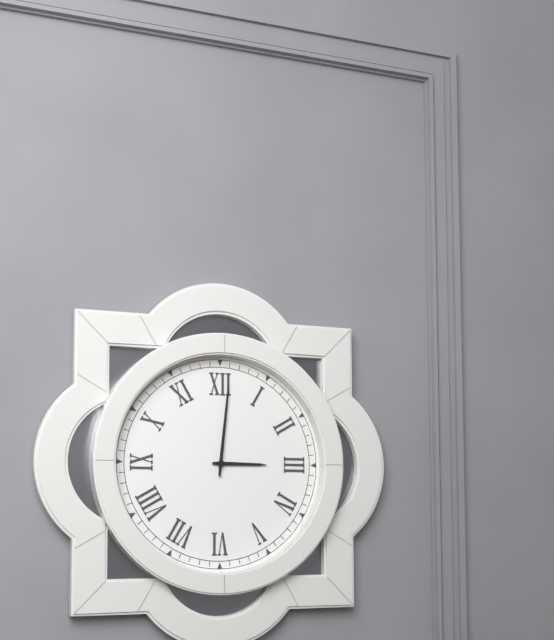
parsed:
3 h 01 min
